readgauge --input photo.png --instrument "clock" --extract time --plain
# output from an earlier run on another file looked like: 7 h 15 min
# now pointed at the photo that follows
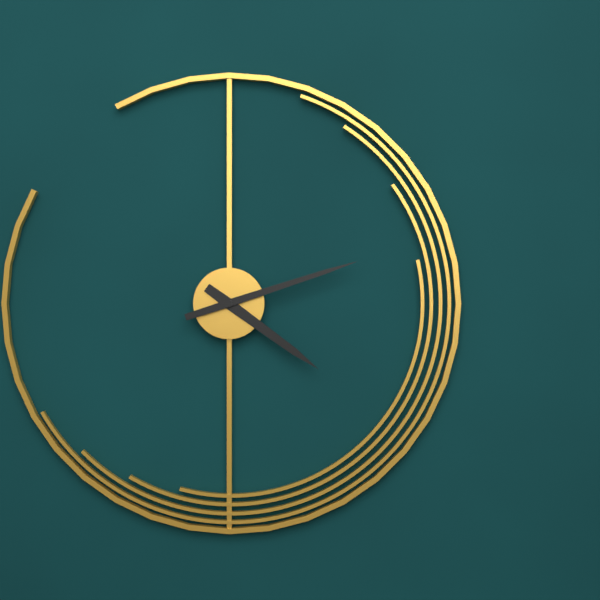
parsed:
4 h 12 min
